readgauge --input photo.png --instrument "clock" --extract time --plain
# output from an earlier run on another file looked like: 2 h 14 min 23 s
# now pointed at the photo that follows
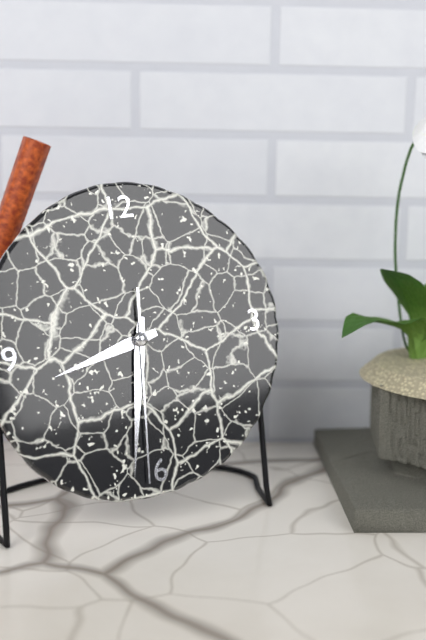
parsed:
8 h 32 min 31 s
